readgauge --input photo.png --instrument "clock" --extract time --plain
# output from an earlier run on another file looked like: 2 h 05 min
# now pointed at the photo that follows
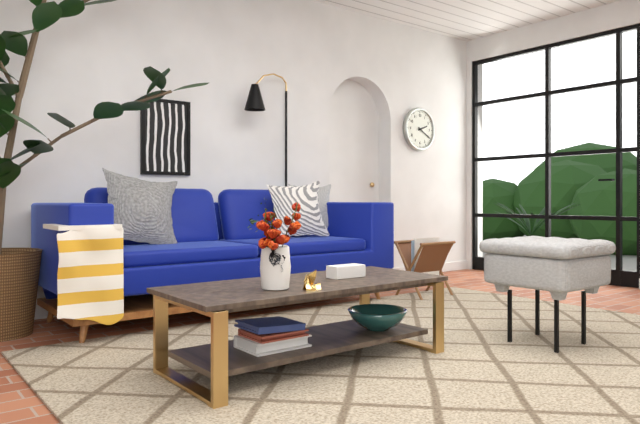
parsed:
2 h 20 min
